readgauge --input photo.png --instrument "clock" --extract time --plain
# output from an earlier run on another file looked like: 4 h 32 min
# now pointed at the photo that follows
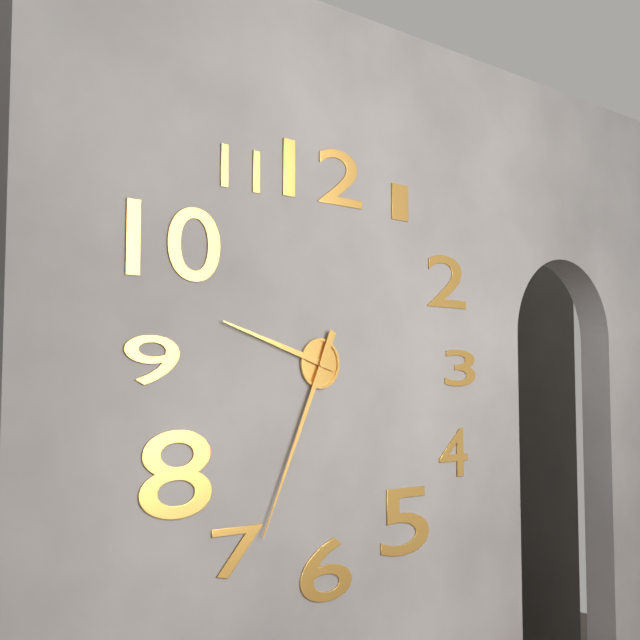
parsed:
9 h 34 min
